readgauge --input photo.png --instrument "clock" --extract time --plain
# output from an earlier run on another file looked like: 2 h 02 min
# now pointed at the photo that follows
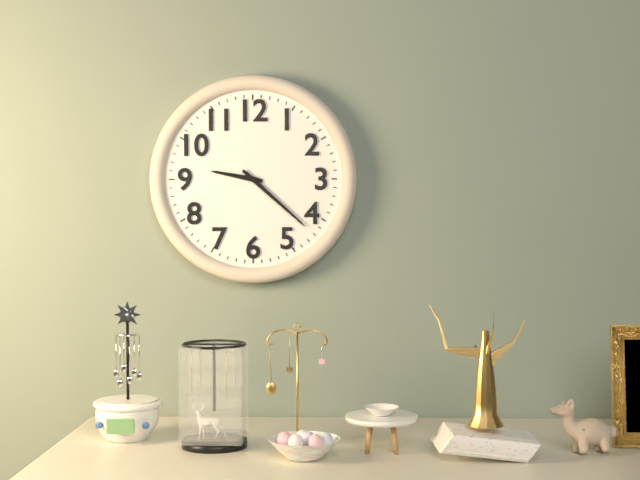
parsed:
9 h 22 min
